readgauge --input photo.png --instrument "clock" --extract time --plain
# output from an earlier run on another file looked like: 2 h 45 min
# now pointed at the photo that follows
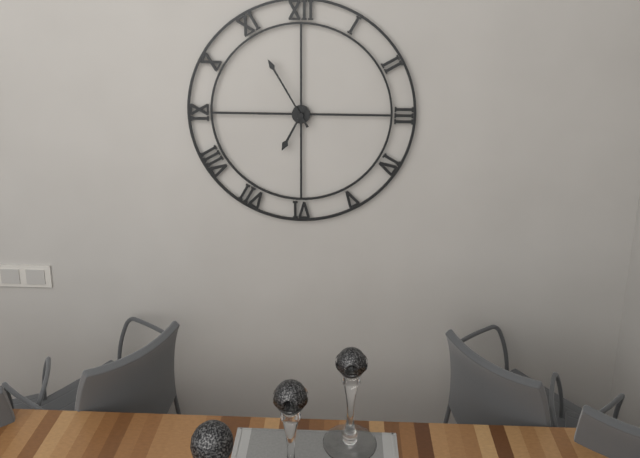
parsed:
6 h 55 min
